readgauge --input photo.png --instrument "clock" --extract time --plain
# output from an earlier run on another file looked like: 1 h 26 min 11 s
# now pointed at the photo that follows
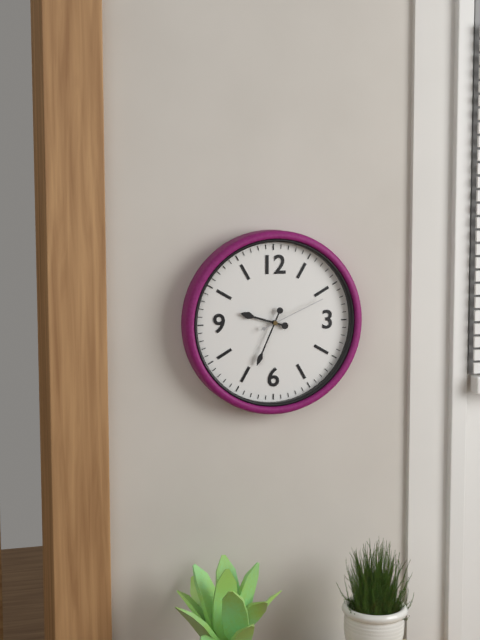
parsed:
9 h 34 min 11 s
